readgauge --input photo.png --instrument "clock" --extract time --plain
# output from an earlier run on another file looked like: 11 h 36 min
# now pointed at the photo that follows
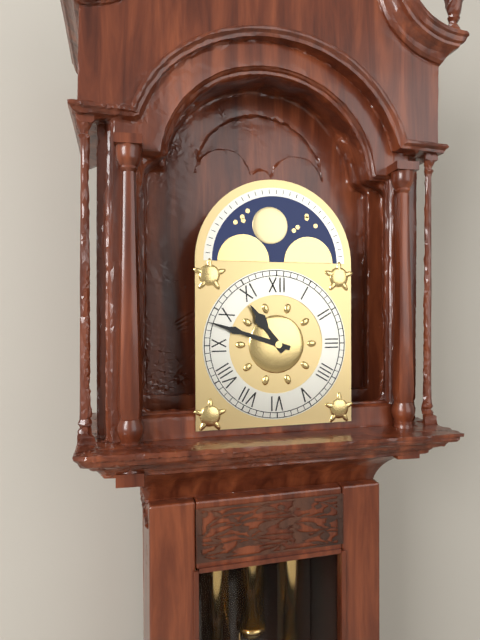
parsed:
10 h 48 min
